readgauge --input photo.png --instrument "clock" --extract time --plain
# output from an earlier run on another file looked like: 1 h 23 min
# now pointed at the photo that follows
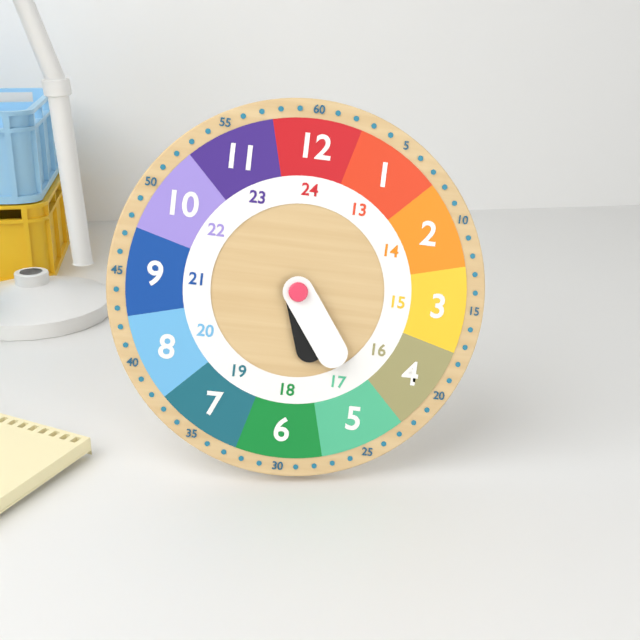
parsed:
5 h 24 min
